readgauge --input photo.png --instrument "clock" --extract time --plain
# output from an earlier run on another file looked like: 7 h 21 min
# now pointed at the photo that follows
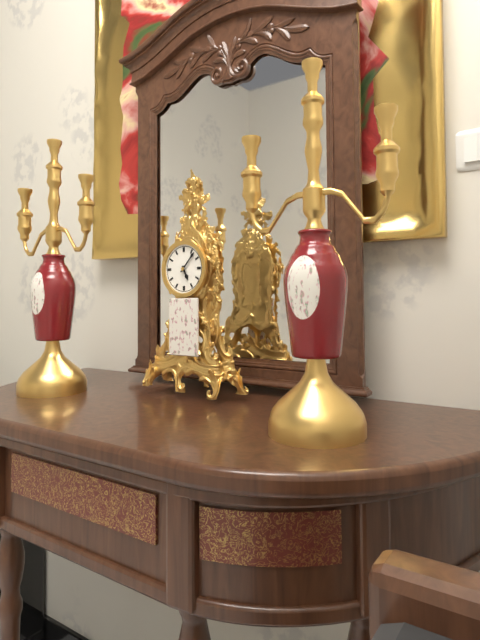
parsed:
5 h 07 min
